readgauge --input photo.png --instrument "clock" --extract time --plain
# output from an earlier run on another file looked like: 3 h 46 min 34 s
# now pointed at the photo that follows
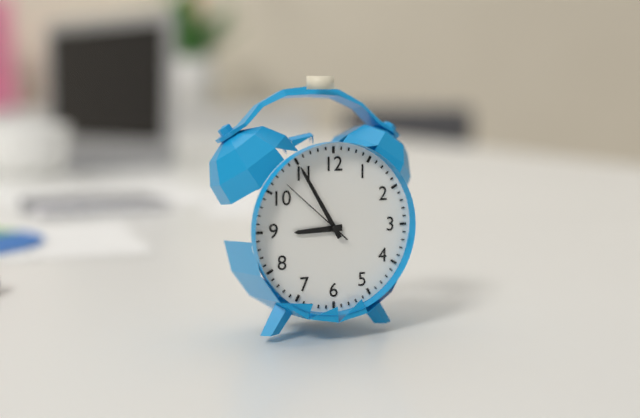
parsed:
8 h 55 min 52 s
